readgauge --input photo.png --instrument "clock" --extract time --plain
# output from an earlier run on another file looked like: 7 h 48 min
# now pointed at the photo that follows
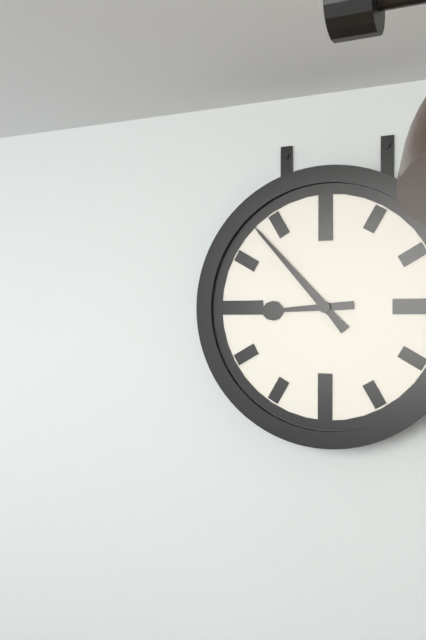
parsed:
8 h 53 min
